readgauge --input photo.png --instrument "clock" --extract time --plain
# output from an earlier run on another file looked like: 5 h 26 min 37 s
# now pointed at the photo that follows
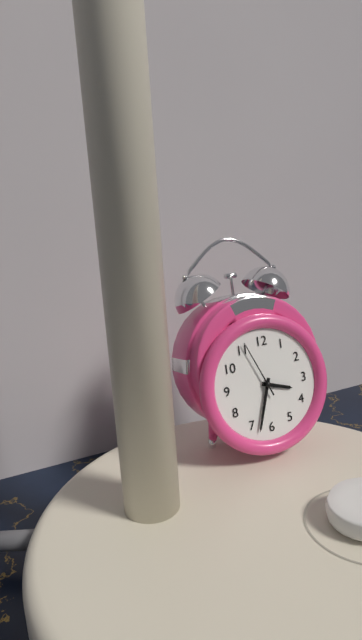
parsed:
3 h 33 min 56 s
